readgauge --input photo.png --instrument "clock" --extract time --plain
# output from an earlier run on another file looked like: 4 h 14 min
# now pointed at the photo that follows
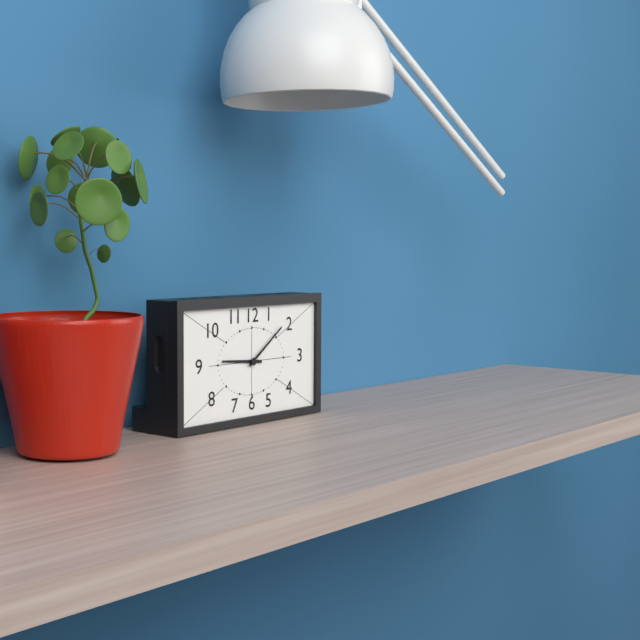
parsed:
9 h 09 min
